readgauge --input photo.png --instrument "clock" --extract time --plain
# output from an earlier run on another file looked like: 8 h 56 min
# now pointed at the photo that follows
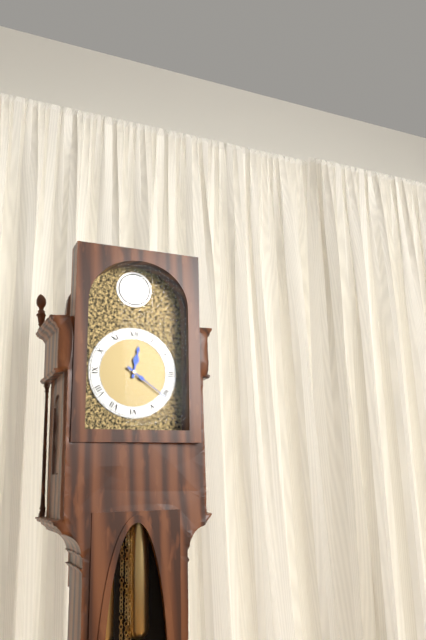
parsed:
12 h 21 min
